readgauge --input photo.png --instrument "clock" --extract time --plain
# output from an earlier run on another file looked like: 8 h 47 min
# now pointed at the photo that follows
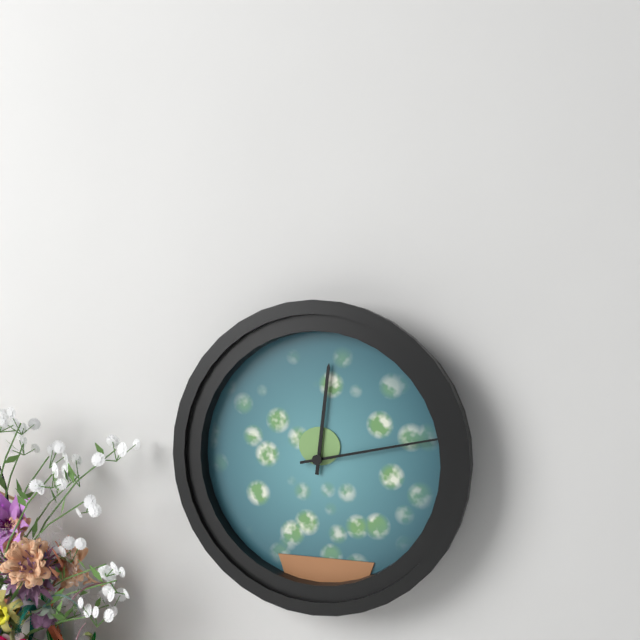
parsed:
12 h 13 min
